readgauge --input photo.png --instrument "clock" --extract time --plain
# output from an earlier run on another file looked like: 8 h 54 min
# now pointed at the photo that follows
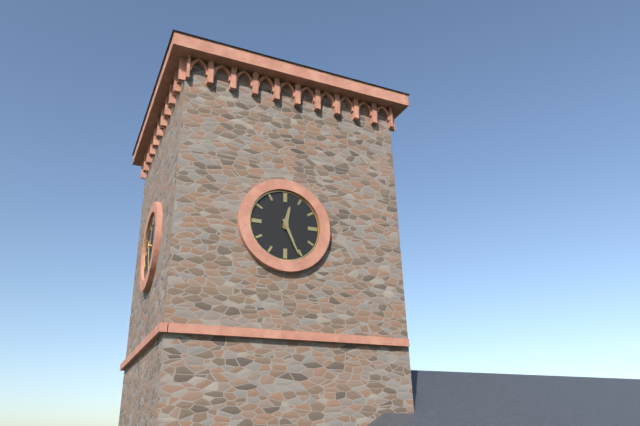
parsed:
12 h 26 min
